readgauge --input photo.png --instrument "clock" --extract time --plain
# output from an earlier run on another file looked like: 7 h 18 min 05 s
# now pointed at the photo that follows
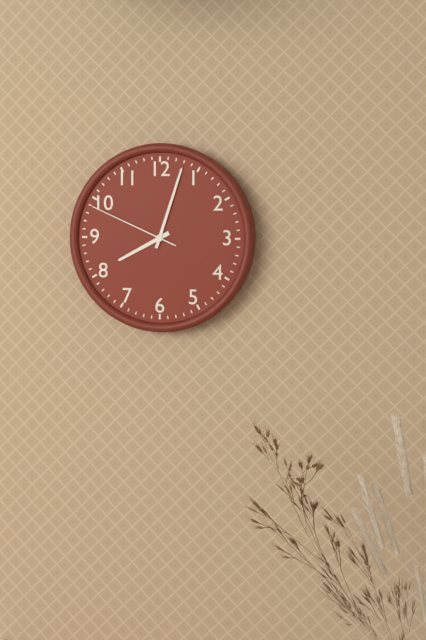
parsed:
8 h 03 min 49 s
